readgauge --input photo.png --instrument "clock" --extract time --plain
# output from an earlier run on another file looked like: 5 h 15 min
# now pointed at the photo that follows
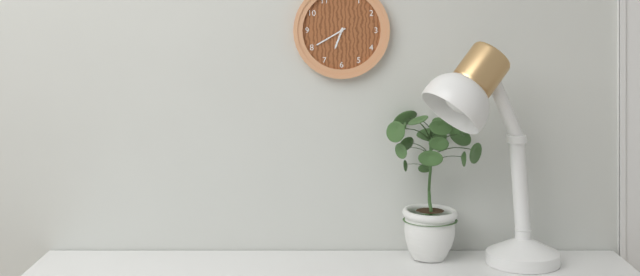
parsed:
6 h 40 min
